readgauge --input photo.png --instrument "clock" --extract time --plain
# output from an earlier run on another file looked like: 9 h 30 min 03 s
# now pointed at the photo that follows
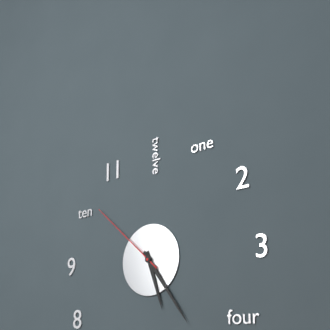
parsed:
5 h 24 min 52 s
